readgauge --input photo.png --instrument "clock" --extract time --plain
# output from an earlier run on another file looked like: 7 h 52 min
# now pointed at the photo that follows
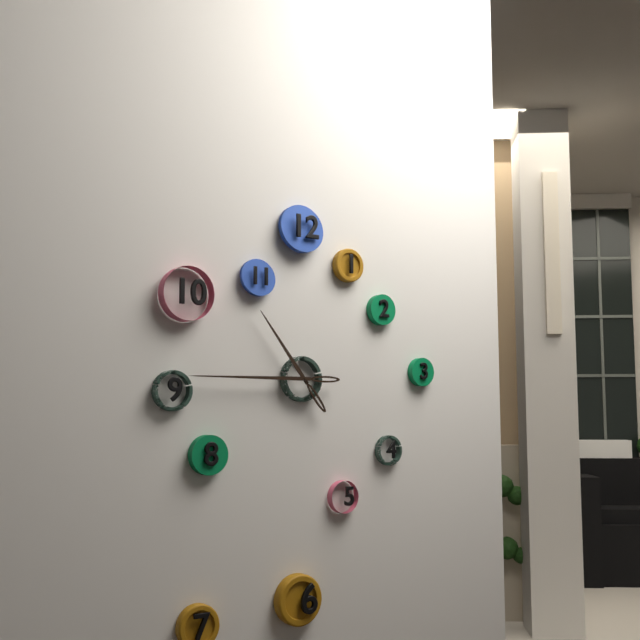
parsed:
10 h 45 min
